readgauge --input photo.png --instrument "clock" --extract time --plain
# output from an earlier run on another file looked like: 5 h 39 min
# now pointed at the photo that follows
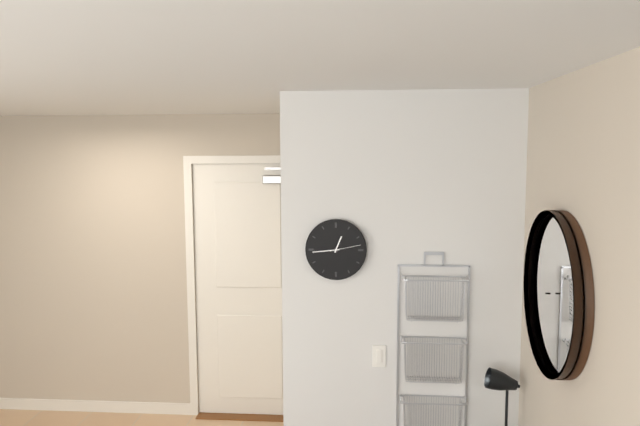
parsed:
12 h 44 min
